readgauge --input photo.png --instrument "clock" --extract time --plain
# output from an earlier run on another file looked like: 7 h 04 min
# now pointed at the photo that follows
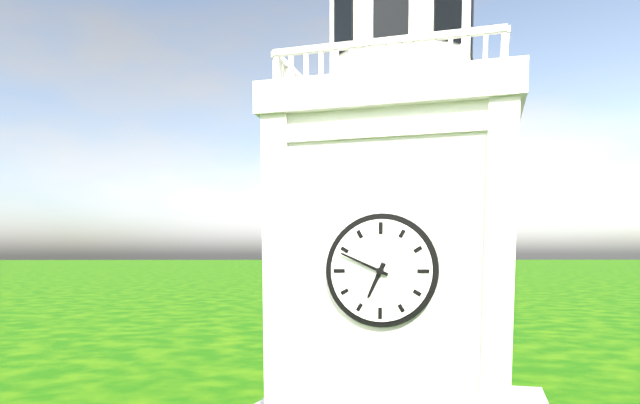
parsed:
6 h 49 min
